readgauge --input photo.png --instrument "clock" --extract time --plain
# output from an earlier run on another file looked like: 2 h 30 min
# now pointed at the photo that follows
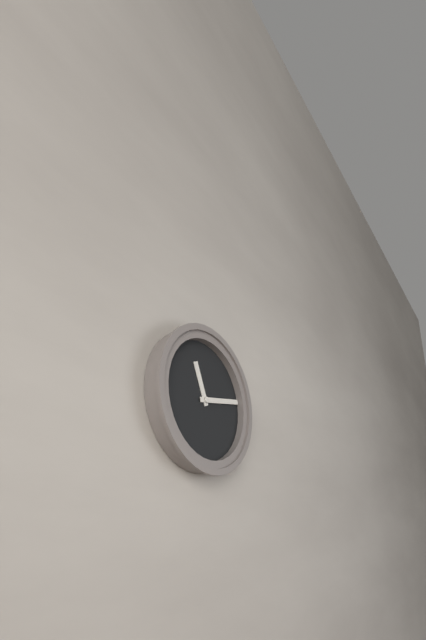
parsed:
11 h 13 min
